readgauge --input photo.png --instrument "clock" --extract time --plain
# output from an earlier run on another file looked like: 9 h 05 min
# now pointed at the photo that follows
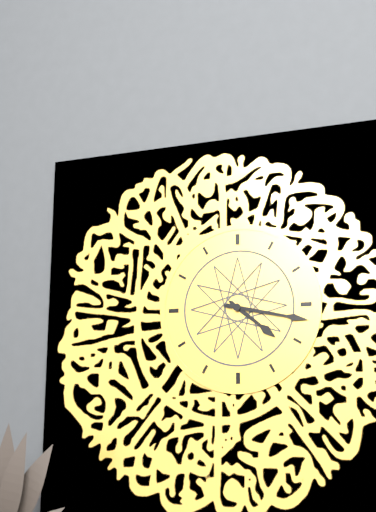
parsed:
4 h 17 min
